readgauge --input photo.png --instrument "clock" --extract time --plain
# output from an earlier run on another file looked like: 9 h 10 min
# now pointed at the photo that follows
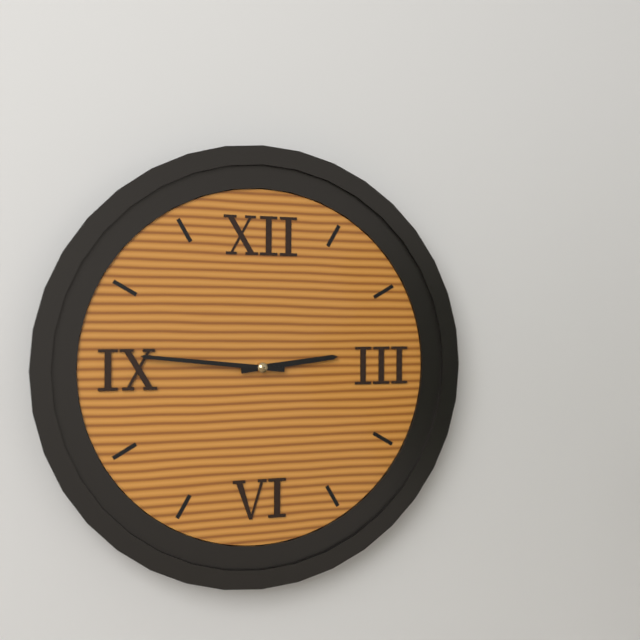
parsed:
2 h 46 min
